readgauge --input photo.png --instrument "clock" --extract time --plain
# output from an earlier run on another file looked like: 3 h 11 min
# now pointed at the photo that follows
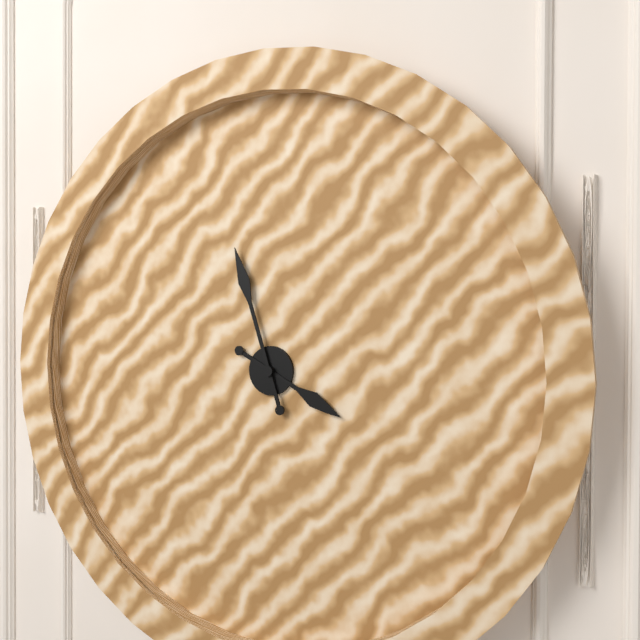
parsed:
3 h 57 min
